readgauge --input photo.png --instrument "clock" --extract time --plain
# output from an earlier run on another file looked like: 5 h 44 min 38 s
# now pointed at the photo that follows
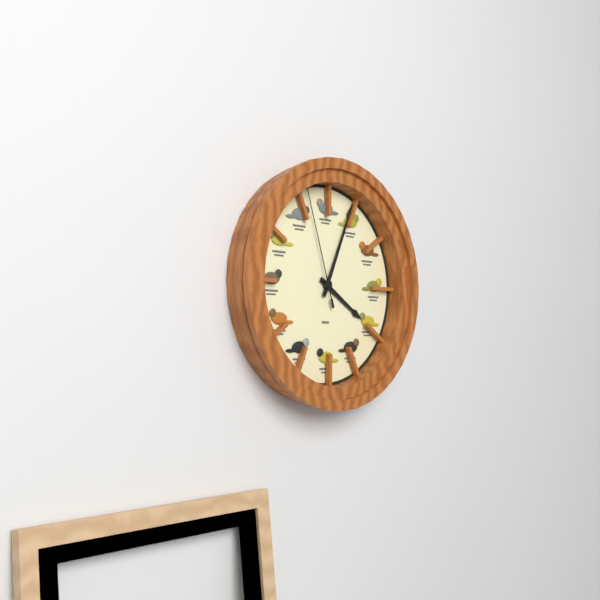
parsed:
4 h 04 min 57 s
